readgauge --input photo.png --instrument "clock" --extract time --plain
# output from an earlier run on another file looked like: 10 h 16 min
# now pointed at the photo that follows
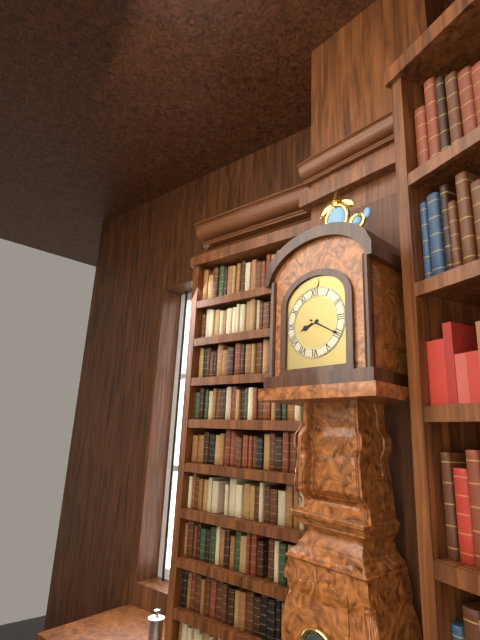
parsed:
8 h 20 min
